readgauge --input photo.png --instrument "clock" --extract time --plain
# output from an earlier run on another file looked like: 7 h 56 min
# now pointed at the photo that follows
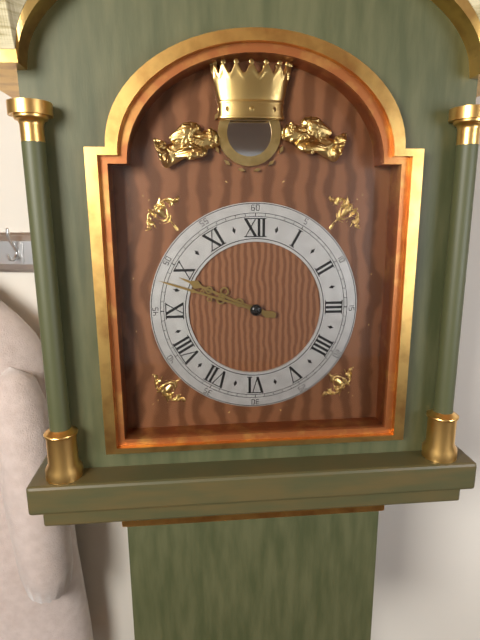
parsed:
9 h 48 min
